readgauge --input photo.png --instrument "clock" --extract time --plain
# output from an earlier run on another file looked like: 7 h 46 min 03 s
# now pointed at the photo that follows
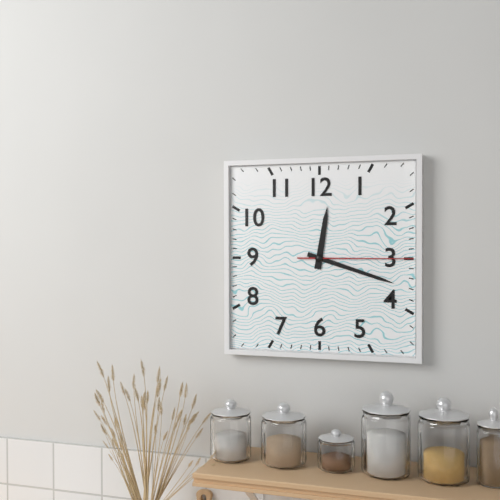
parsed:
12 h 18 min 15 s
